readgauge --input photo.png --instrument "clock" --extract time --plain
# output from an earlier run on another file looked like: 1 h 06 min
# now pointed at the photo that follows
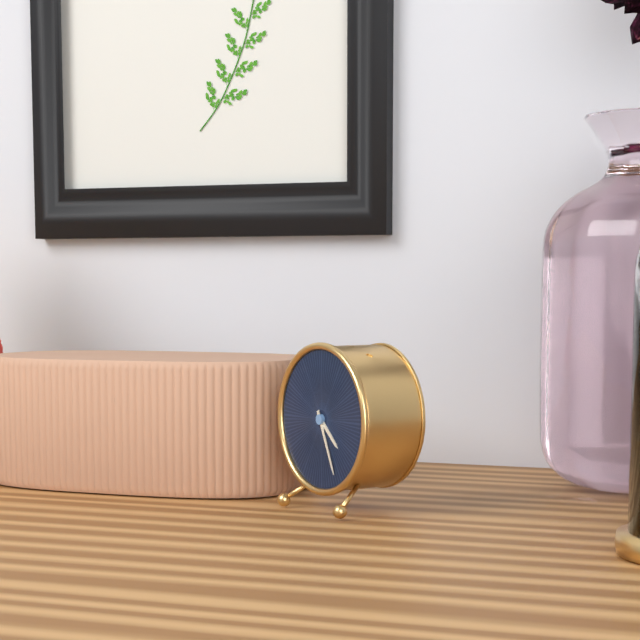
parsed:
4 h 26 min
